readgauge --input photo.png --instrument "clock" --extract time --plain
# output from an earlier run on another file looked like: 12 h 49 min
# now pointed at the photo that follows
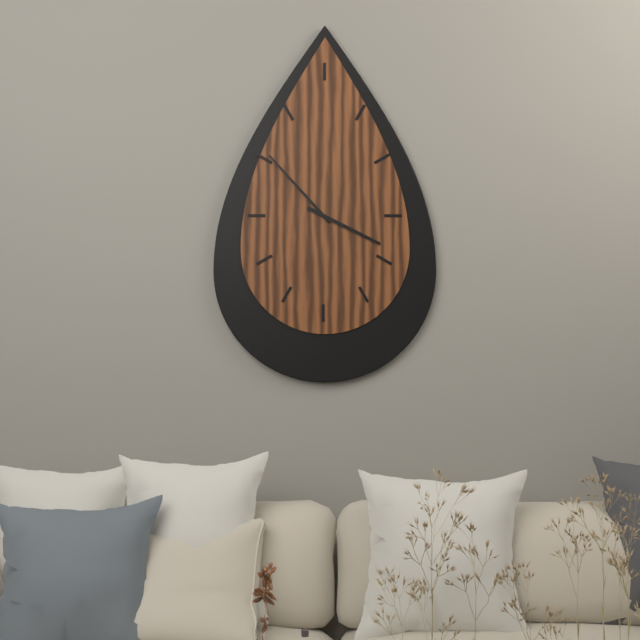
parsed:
3 h 53 min
